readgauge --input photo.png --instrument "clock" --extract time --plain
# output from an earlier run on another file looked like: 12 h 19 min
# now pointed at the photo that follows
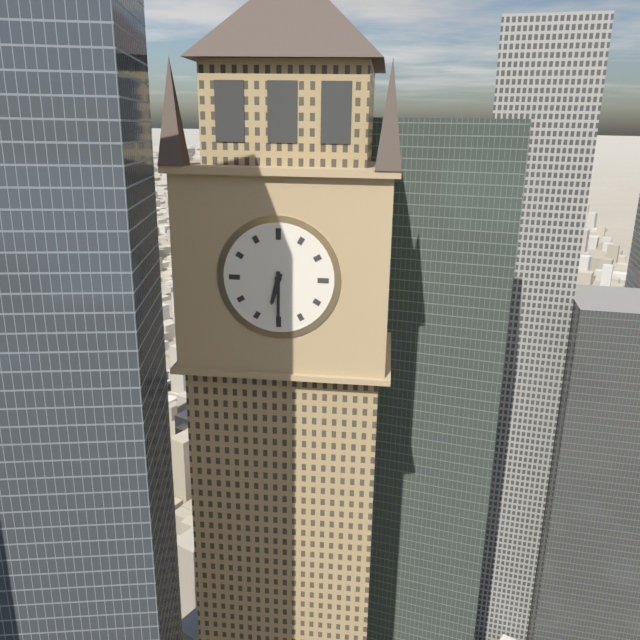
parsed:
6 h 30 min
